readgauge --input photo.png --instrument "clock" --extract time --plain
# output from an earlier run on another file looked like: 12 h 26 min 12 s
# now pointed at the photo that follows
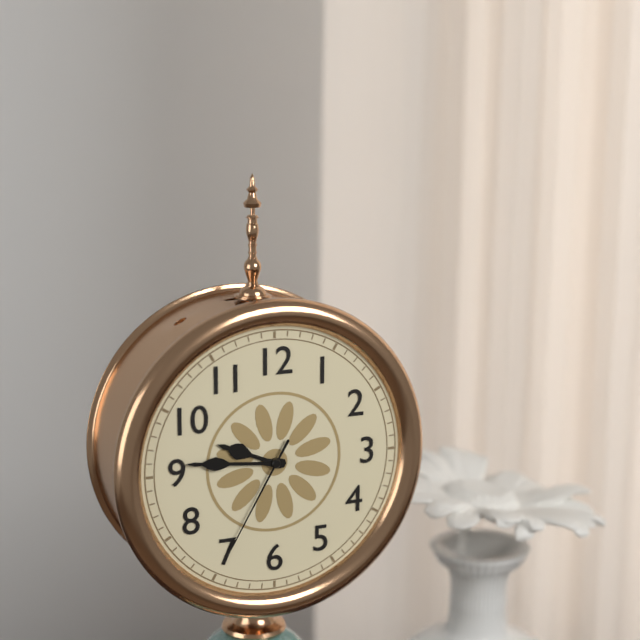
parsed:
9 h 46 min 35 s
